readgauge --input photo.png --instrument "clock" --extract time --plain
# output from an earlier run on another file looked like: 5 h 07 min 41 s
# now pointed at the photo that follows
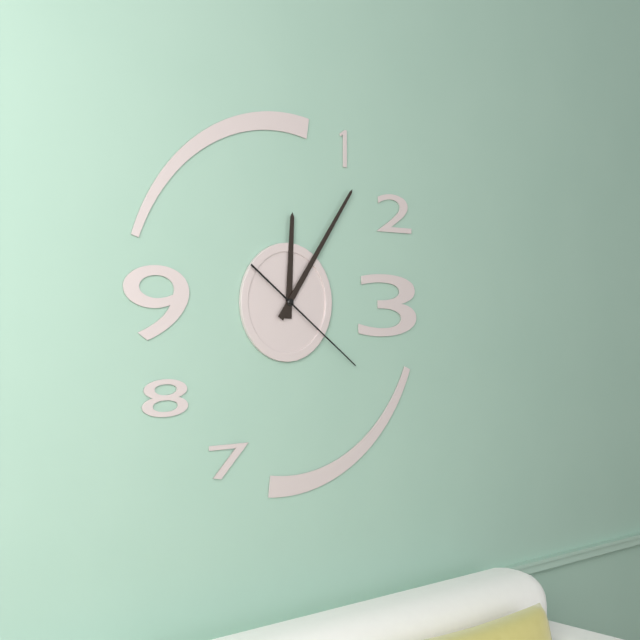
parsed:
12 h 06 min 21 s
